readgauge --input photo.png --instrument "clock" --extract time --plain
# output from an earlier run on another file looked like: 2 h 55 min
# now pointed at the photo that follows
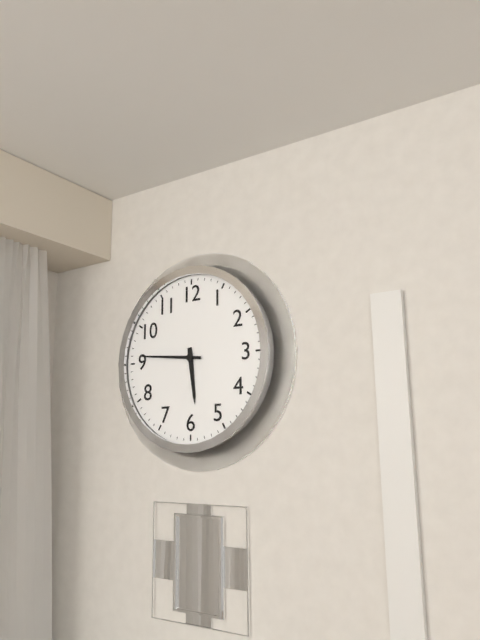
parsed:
5 h 46 min
